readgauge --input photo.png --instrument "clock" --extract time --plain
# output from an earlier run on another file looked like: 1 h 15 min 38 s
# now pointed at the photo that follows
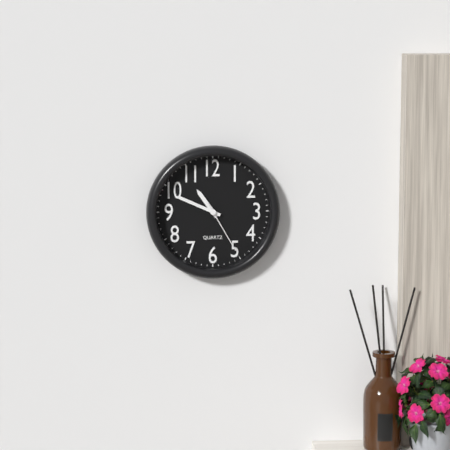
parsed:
10 h 49 min 25 s
